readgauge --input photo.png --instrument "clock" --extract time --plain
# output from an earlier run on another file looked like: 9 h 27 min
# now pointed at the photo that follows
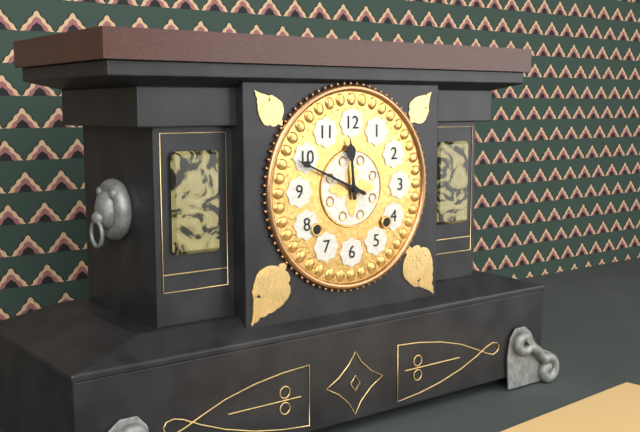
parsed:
11 h 49 min
